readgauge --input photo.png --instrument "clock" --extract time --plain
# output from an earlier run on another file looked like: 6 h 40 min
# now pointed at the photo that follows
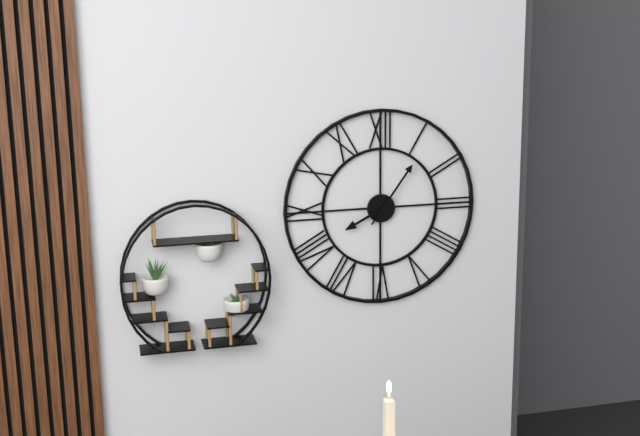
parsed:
8 h 06 min
